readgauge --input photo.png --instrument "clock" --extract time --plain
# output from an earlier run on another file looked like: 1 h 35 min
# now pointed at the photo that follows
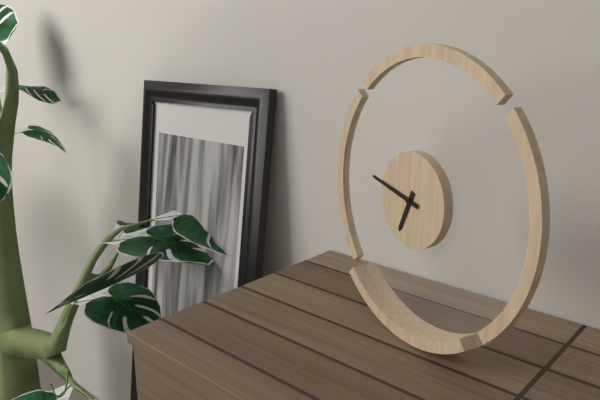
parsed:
6 h 47 min
